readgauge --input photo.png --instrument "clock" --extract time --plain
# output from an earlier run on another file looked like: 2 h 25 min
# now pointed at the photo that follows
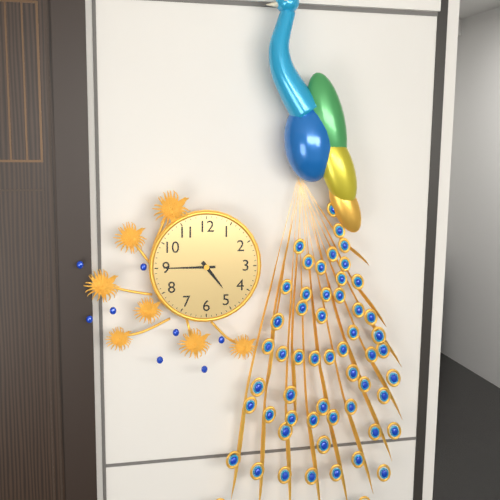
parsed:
4 h 45 min
